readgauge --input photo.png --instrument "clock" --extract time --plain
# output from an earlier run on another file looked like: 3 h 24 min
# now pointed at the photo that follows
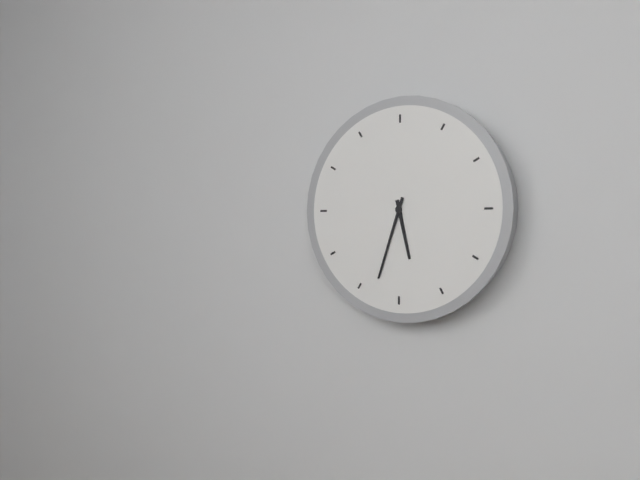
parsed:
5 h 33 min
